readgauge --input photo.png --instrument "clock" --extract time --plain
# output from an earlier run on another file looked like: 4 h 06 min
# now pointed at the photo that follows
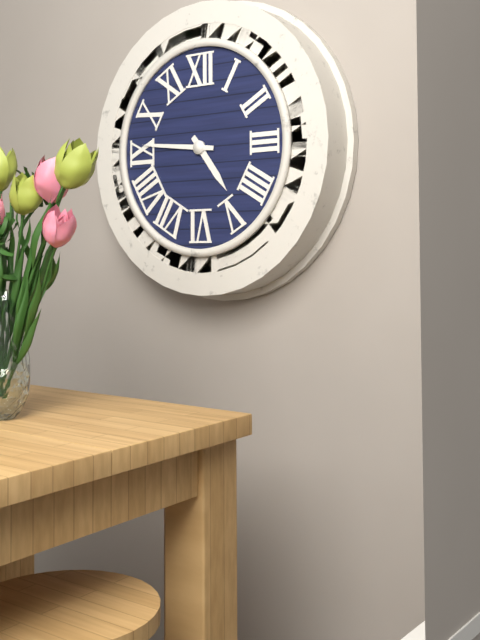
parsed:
4 h 46 min
